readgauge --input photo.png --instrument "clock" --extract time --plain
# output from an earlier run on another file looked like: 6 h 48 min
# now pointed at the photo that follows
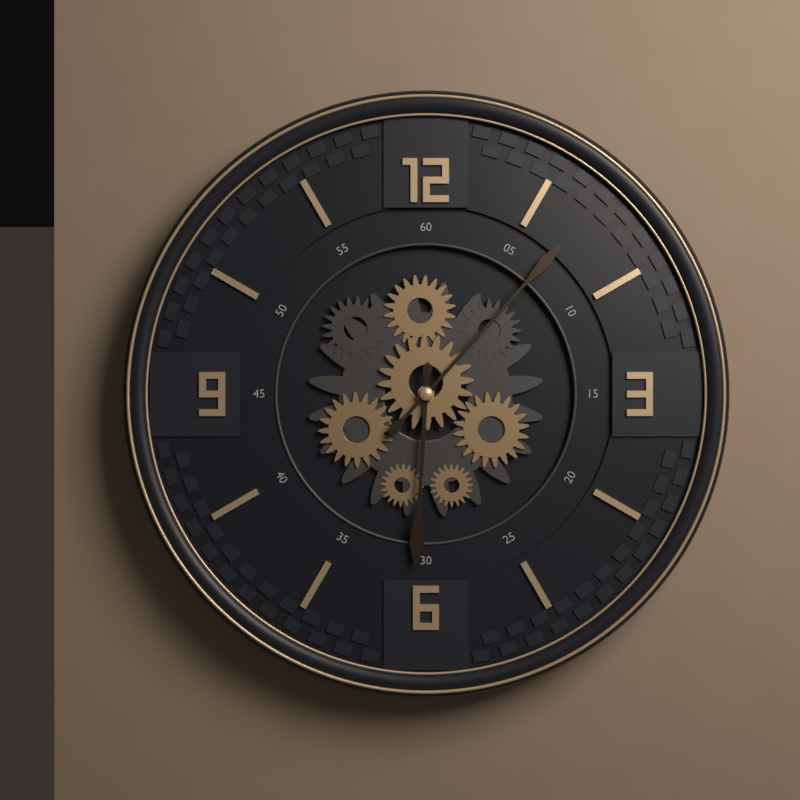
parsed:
6 h 07 min
